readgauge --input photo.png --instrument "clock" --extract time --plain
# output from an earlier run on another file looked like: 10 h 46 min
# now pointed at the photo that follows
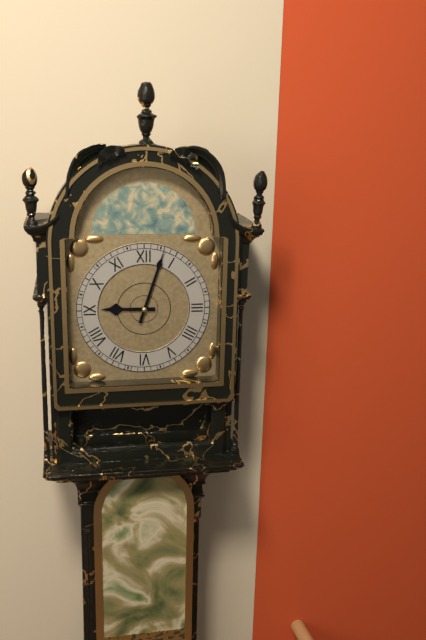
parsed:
9 h 03 min
